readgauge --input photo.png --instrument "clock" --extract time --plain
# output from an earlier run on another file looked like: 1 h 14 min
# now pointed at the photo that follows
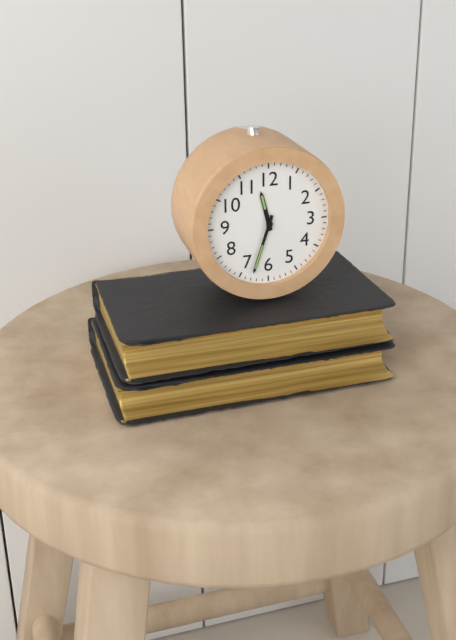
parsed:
11 h 33 min
